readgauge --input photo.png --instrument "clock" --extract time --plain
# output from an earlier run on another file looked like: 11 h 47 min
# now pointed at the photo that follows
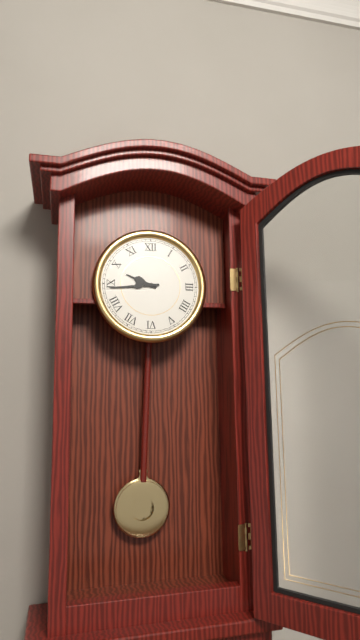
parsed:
9 h 44 min
